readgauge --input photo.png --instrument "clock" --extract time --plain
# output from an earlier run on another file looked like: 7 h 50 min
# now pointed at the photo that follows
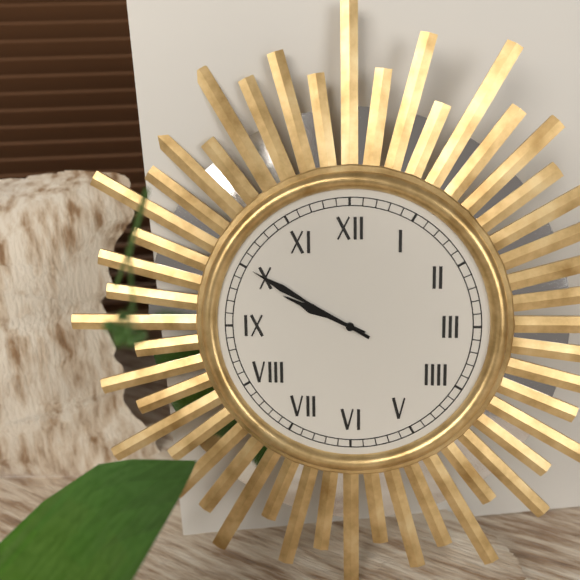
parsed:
9 h 50 min
